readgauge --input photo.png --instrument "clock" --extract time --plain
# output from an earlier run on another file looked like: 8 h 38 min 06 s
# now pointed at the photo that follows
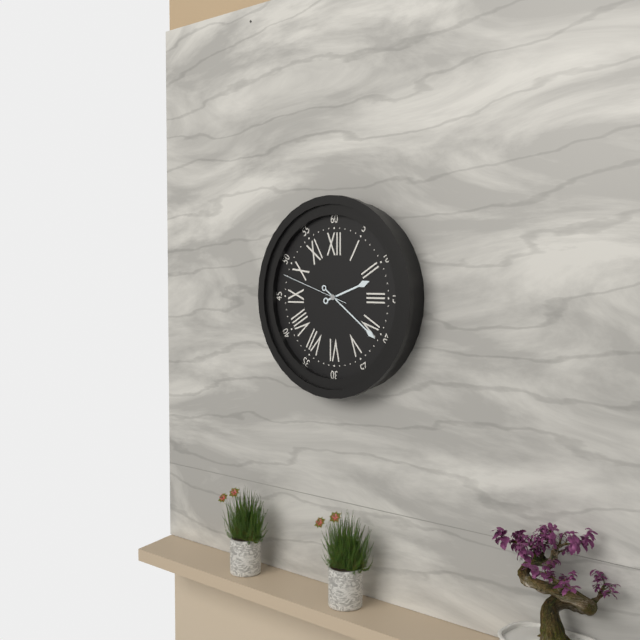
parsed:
2 h 21 min 48 s
